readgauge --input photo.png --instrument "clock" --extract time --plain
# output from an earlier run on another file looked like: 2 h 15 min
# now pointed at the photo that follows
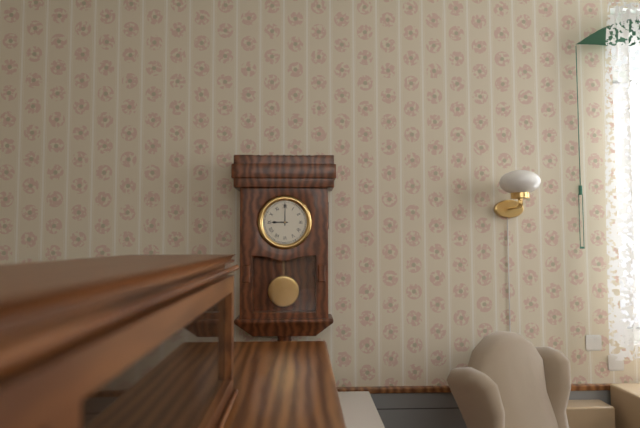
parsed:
9 h 00 min
